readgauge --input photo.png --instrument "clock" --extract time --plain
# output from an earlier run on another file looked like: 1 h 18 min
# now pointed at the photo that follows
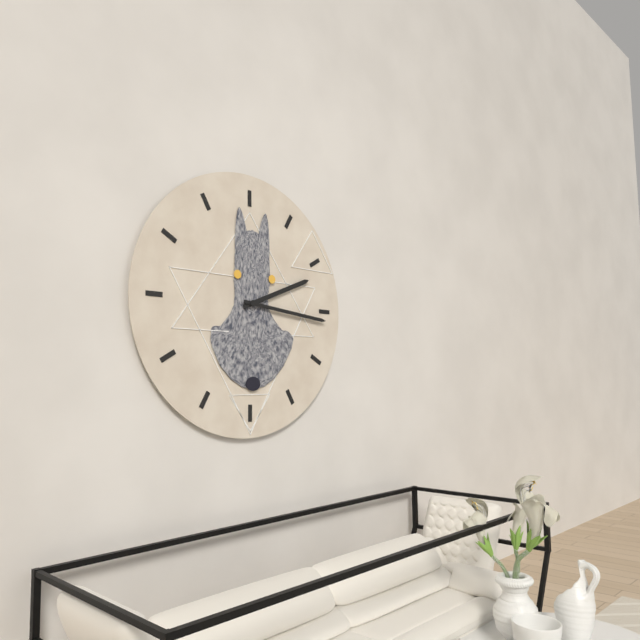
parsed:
2 h 16 min
